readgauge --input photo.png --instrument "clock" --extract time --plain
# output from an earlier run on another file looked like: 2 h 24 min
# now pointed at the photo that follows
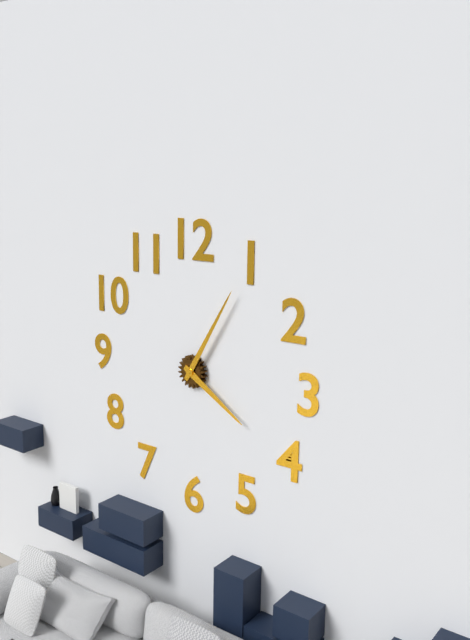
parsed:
4 h 05 min
